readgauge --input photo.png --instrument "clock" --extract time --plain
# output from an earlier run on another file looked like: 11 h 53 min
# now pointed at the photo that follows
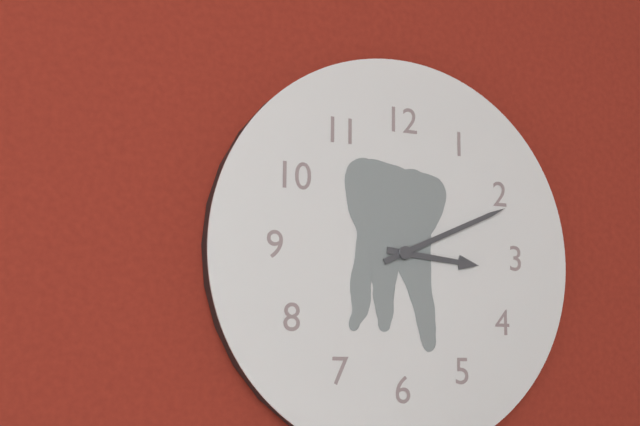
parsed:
3 h 11 min
